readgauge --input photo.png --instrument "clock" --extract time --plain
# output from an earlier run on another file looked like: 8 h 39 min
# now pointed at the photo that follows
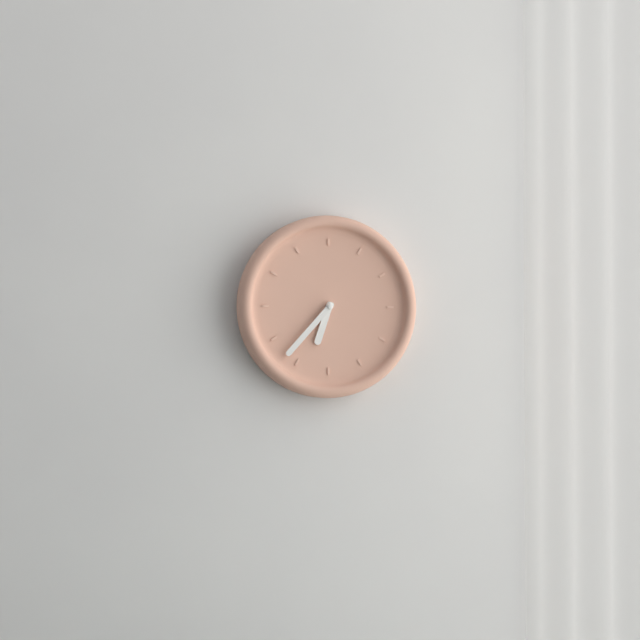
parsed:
6 h 37 min
